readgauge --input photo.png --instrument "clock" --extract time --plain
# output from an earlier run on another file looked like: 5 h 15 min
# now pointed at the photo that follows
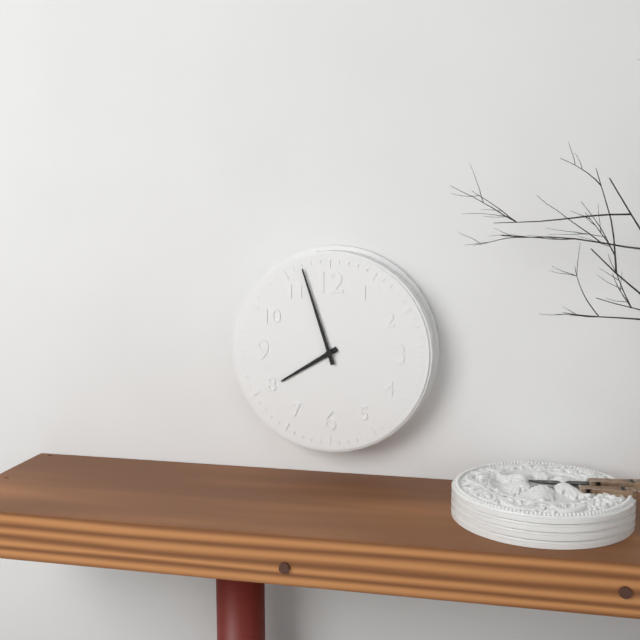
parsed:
7 h 57 min
